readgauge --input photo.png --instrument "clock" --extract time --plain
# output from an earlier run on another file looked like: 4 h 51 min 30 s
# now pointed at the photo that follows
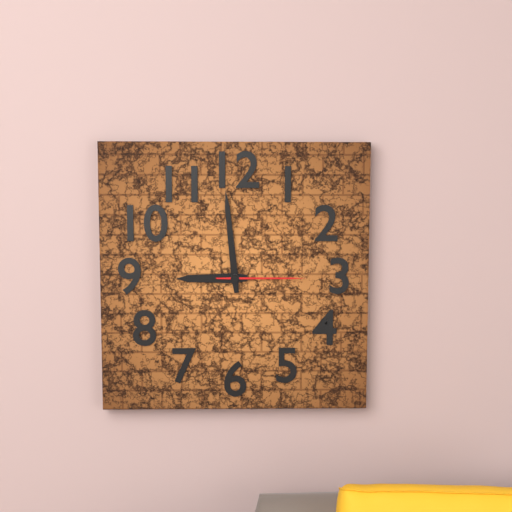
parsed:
8 h 59 min 15 s
